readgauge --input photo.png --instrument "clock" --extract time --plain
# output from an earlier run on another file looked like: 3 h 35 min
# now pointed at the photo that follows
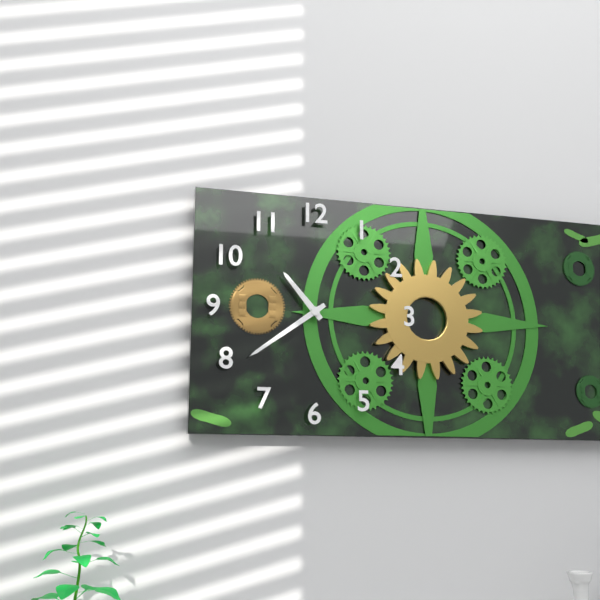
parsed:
10 h 39 min
